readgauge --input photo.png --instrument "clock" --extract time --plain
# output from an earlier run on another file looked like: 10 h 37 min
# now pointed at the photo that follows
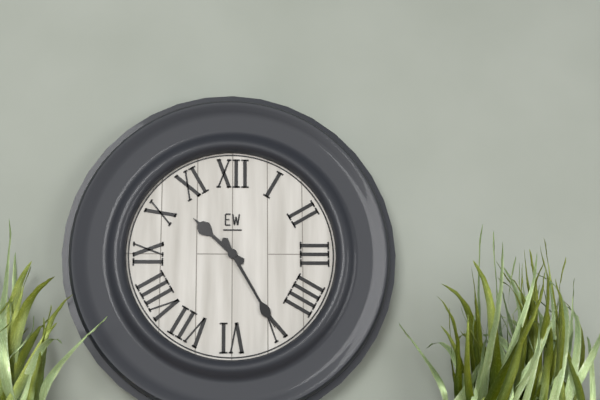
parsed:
10 h 25 min
